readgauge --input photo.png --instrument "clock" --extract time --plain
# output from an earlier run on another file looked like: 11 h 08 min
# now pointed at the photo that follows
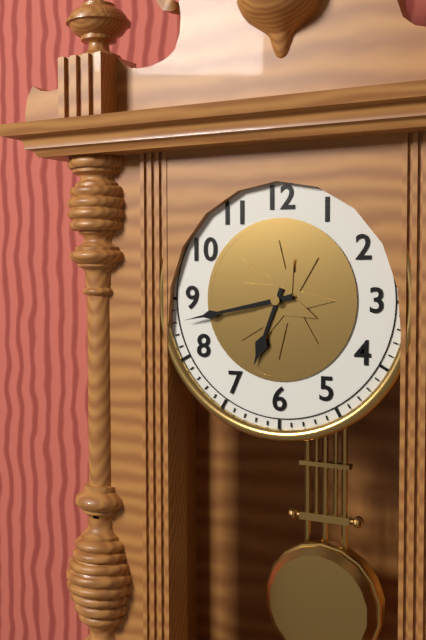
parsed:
6 h 43 min
